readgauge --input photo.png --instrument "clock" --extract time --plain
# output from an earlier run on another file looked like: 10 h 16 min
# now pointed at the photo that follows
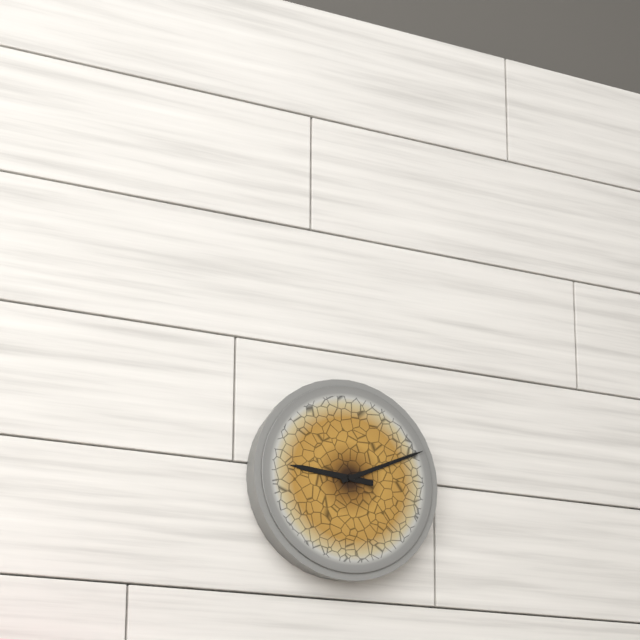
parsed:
9 h 11 min
